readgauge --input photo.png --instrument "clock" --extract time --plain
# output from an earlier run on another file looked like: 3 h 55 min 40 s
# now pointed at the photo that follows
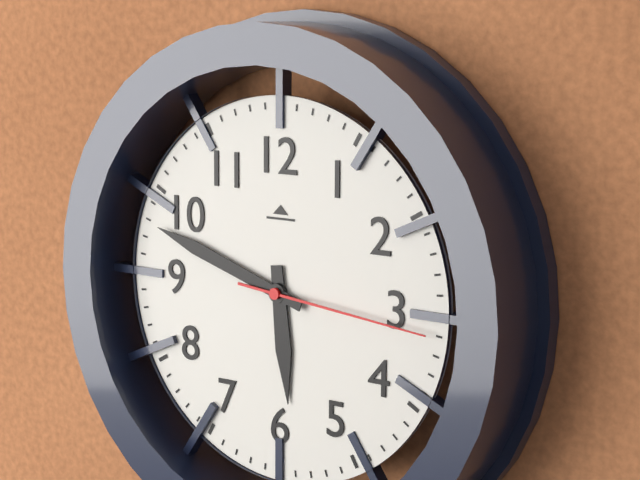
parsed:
5 h 48 min 16 s
